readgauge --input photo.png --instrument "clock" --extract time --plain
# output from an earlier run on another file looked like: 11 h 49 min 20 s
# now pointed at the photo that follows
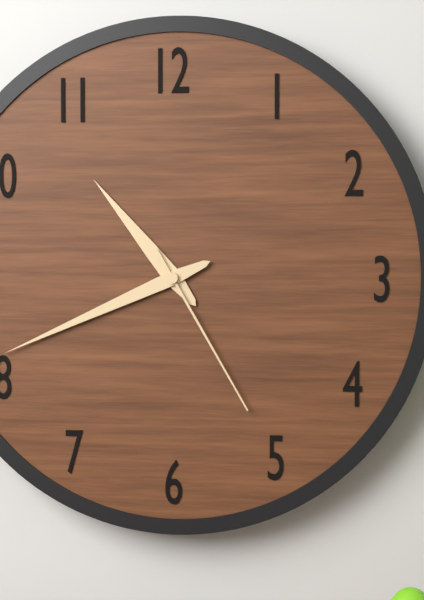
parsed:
10 h 41 min 25 s
